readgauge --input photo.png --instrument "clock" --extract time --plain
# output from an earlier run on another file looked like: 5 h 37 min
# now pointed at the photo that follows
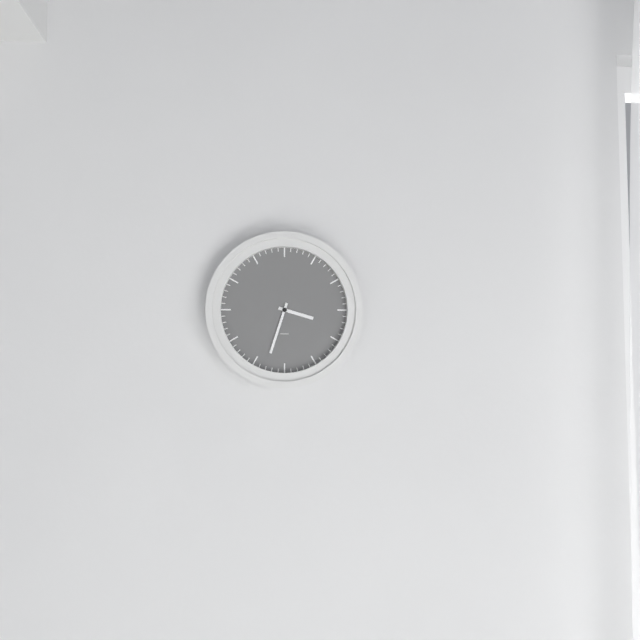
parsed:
3 h 33 min
